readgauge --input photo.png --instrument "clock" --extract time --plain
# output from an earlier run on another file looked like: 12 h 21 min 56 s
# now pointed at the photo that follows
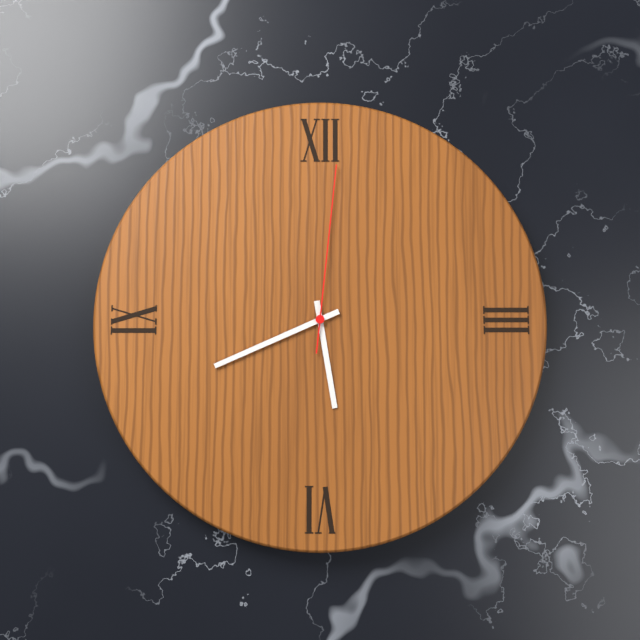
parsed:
5 h 41 min 01 s
